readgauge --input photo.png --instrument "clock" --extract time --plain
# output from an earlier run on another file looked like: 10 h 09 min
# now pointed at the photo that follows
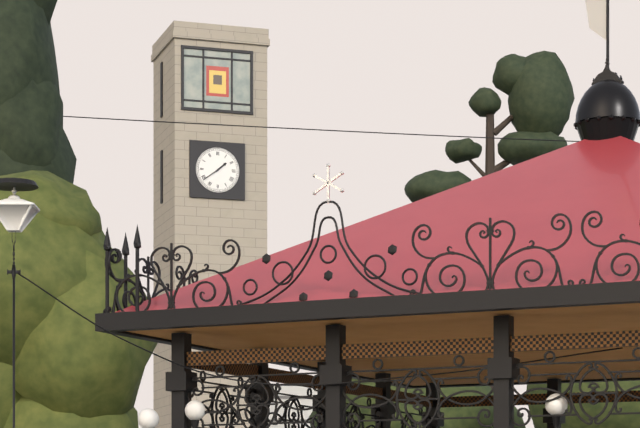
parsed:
1 h 39 min
